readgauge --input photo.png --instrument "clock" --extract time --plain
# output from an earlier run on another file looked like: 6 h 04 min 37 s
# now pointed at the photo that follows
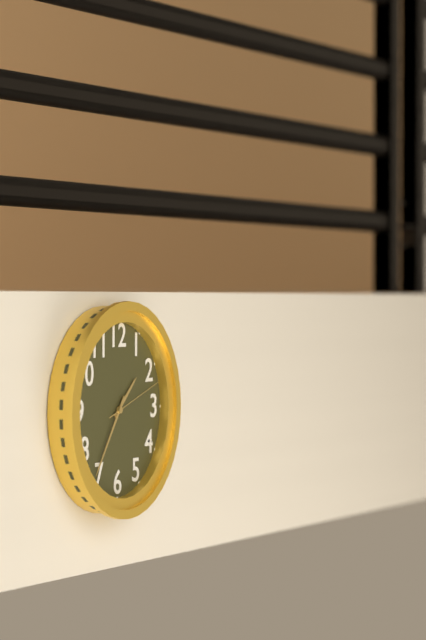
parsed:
1 h 36 min 12 s
